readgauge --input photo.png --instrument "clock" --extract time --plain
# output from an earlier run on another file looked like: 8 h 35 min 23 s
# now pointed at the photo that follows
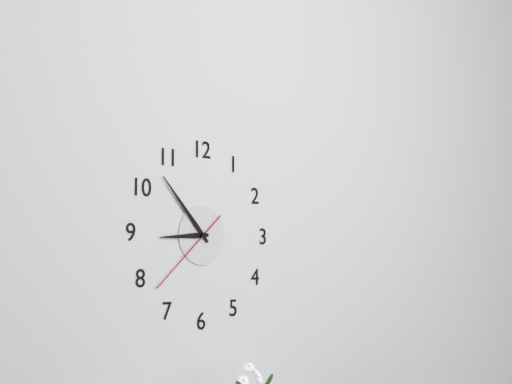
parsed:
8 h 53 min 38 s
